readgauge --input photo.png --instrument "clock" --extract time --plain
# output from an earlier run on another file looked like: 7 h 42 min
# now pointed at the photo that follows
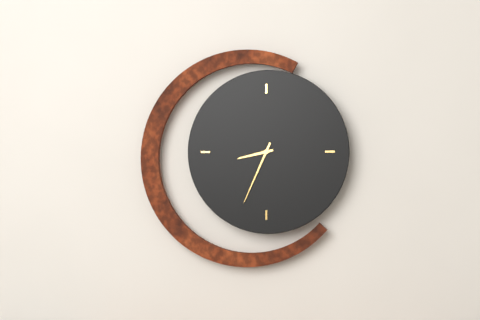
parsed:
8 h 34 min
